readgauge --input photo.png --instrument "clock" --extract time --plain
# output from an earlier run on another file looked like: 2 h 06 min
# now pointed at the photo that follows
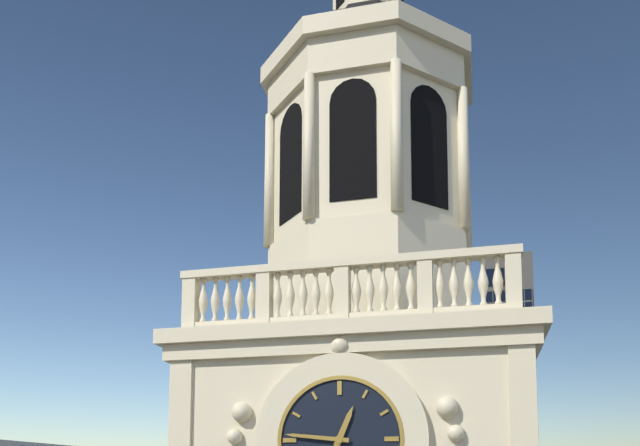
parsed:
12 h 46 min
